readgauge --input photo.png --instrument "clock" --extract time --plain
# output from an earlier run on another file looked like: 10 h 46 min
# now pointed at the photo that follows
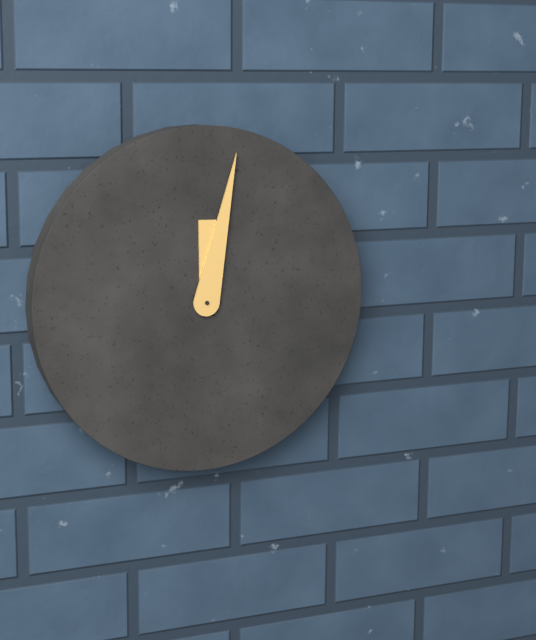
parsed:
12 h 02 min
